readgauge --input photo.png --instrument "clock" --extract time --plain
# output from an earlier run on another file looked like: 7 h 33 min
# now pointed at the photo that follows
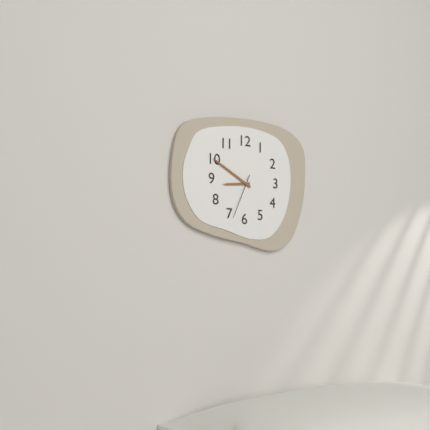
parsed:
8 h 50 min
